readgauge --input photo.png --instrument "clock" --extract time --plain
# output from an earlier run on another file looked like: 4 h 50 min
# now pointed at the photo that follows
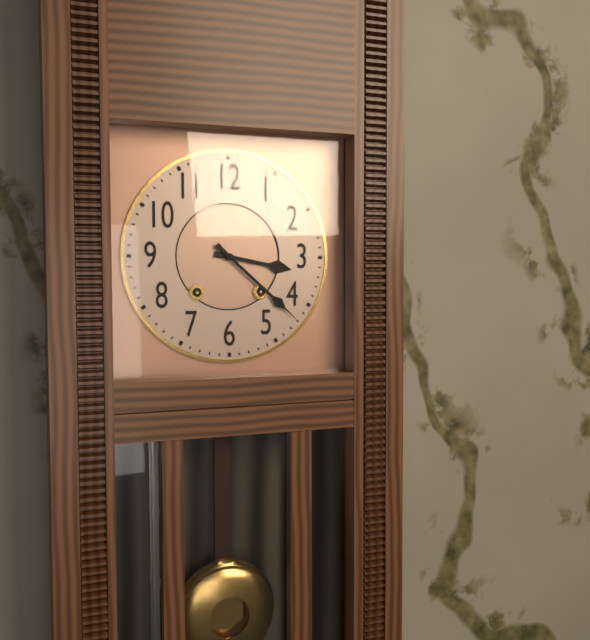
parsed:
3 h 22 min
